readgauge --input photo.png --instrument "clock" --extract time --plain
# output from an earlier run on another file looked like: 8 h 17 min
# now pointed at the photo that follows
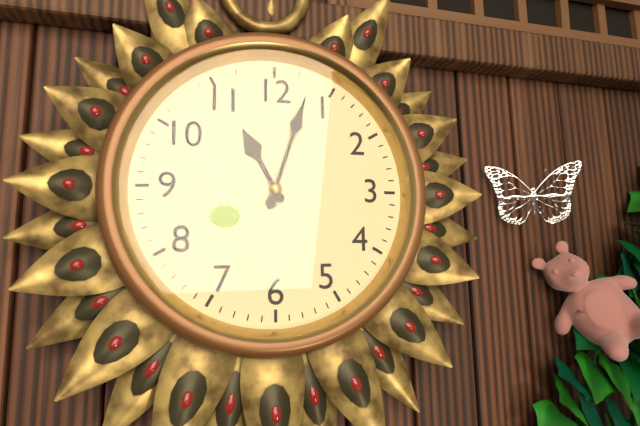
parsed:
11 h 03 min
